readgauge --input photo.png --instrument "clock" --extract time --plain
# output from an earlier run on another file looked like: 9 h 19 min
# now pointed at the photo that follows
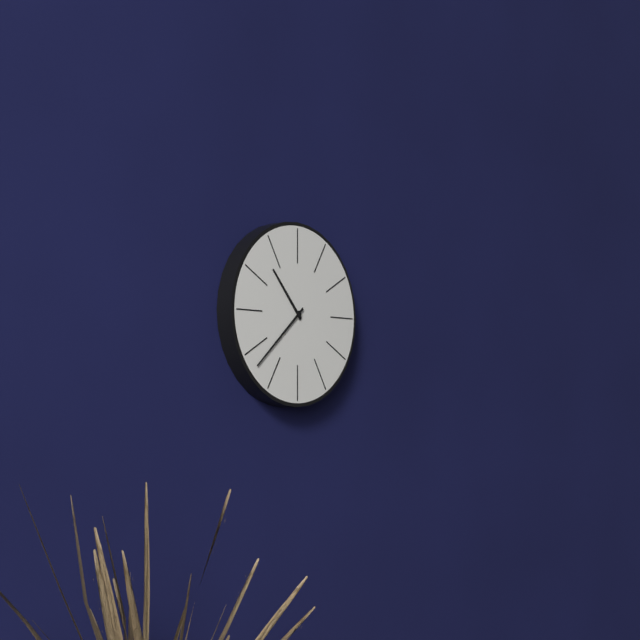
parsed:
10 h 38 min
